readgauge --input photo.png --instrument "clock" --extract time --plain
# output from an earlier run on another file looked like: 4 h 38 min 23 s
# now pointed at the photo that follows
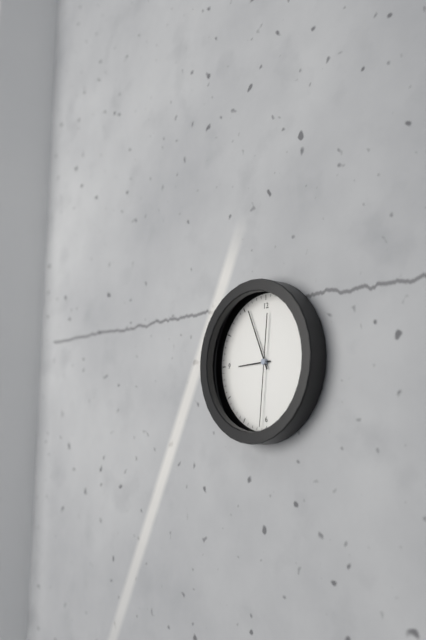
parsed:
8 h 56 min 31 s
